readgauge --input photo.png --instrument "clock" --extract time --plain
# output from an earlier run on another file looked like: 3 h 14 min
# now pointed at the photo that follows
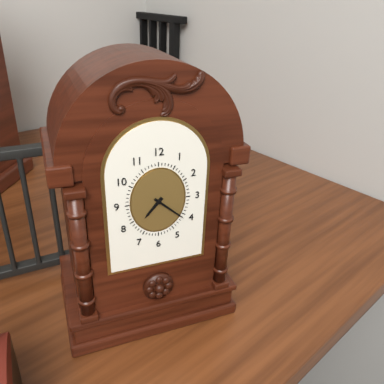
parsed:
7 h 22 min
